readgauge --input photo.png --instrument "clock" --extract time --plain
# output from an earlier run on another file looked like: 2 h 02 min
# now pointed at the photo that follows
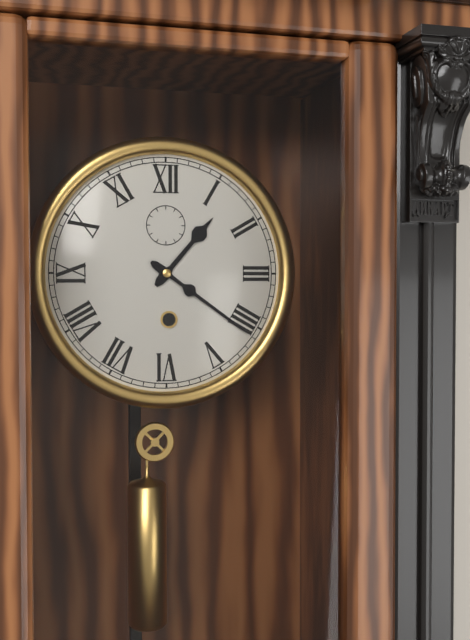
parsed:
1 h 21 min
